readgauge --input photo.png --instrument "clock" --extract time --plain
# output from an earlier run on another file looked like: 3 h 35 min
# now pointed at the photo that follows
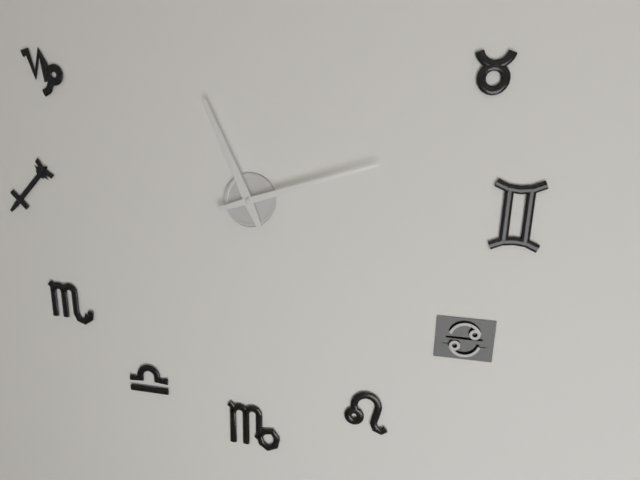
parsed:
11 h 12 min
